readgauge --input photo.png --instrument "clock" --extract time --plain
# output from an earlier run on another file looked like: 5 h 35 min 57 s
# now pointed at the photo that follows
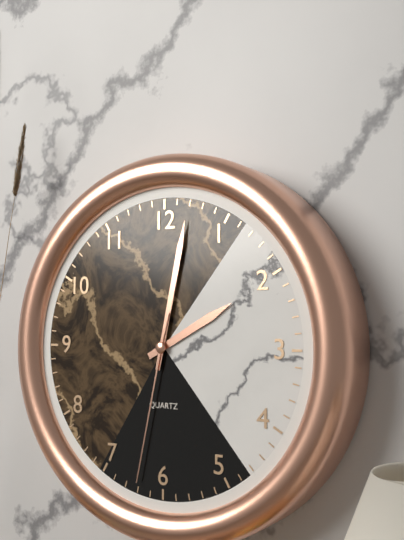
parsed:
2 h 02 min 32 s
